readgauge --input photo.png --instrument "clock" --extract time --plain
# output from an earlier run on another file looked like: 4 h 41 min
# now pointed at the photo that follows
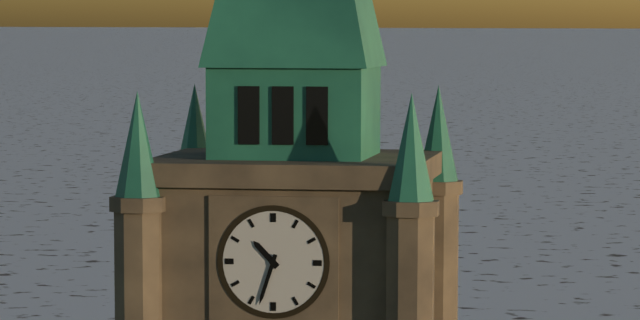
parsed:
10 h 33 min
